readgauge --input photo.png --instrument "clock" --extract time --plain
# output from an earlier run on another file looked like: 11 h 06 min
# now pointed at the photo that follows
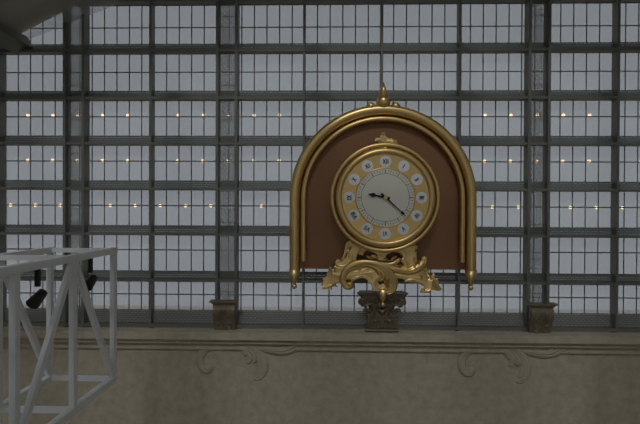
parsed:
9 h 22 min
